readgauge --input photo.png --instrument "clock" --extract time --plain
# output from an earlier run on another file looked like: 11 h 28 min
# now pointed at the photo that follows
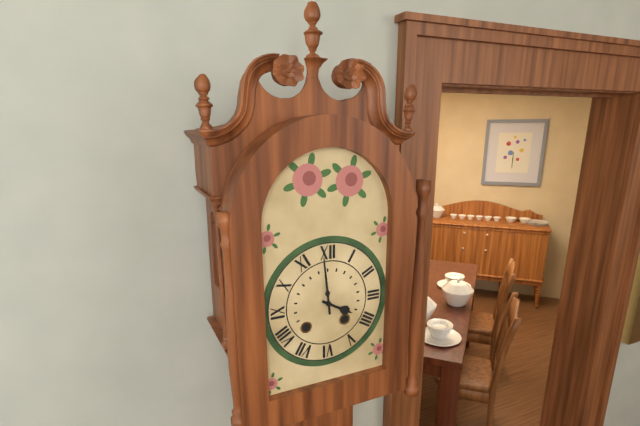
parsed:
3 h 59 min
